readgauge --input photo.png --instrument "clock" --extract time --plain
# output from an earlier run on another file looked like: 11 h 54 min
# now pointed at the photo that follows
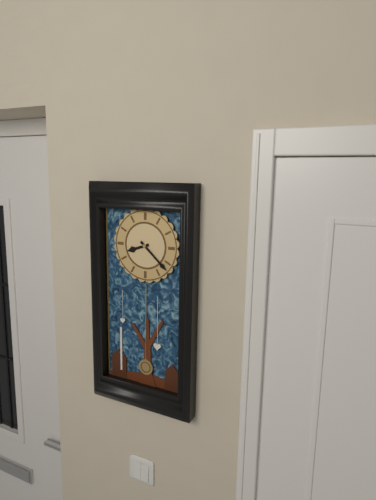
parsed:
8 h 22 min
